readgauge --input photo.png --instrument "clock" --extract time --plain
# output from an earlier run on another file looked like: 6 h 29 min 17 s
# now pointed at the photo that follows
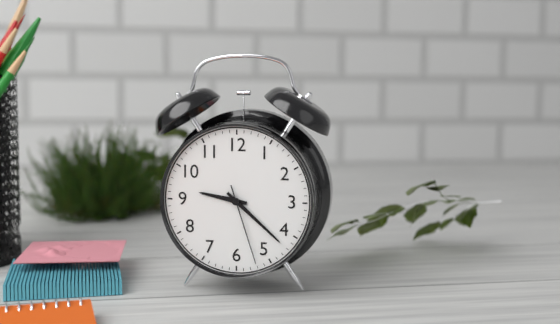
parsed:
9 h 22 min 27 s
